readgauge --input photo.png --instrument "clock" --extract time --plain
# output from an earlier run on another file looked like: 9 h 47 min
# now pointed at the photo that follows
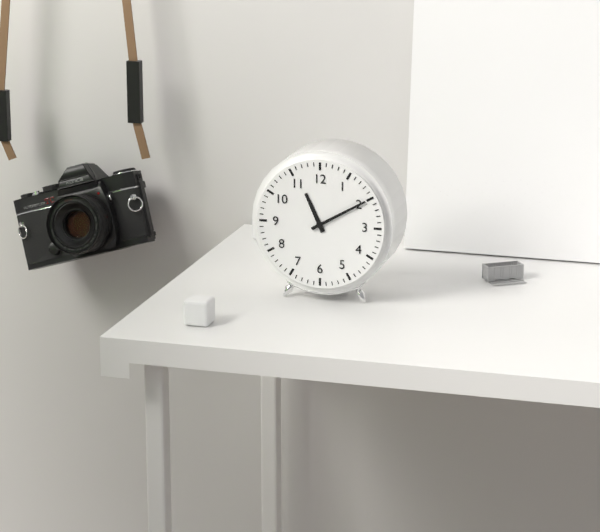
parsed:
11 h 10 min
